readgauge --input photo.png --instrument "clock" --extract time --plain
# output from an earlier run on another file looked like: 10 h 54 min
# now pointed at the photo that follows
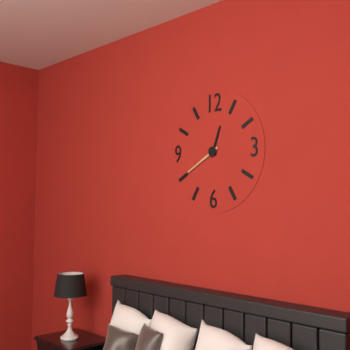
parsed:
12 h 40 min
